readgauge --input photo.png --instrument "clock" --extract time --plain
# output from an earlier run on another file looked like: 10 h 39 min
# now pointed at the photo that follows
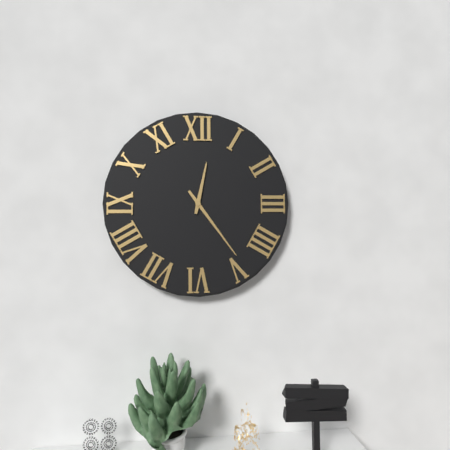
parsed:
12 h 24 min
